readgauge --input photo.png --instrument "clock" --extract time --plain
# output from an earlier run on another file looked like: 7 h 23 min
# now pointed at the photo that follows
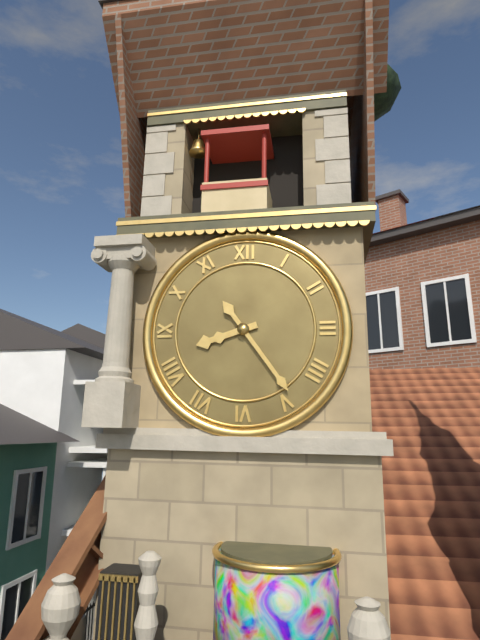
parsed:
8 h 24 min
